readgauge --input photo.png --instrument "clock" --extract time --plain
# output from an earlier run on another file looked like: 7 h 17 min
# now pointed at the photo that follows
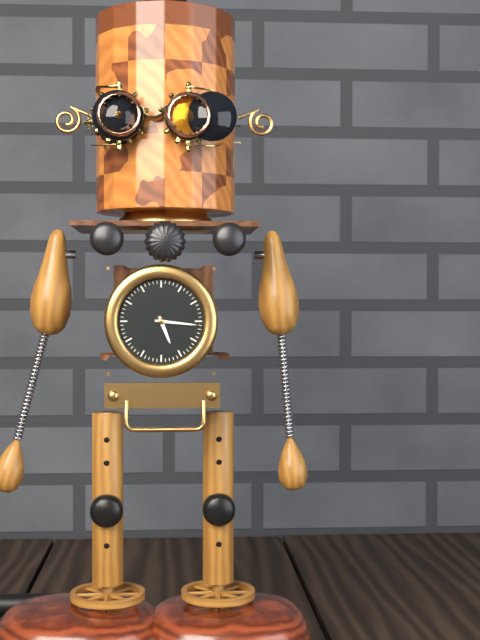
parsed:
5 h 16 min
